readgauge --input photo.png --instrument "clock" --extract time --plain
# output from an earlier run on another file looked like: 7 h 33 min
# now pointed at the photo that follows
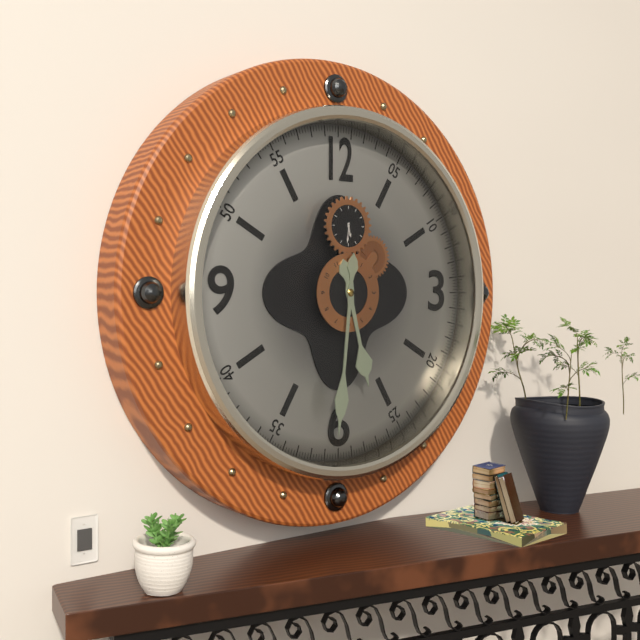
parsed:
5 h 31 min
